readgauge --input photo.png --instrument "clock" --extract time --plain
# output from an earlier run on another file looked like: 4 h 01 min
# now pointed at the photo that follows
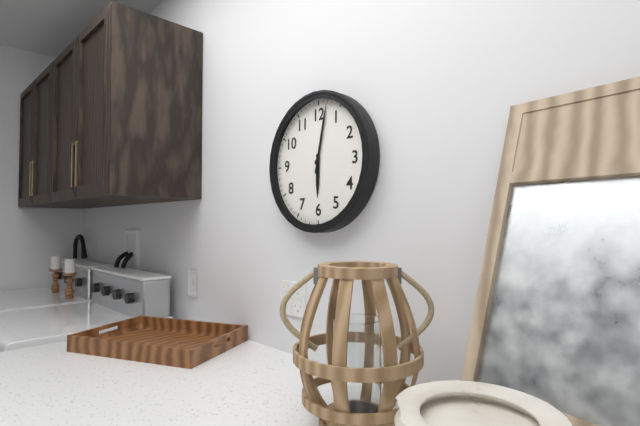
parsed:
6 h 02 min
